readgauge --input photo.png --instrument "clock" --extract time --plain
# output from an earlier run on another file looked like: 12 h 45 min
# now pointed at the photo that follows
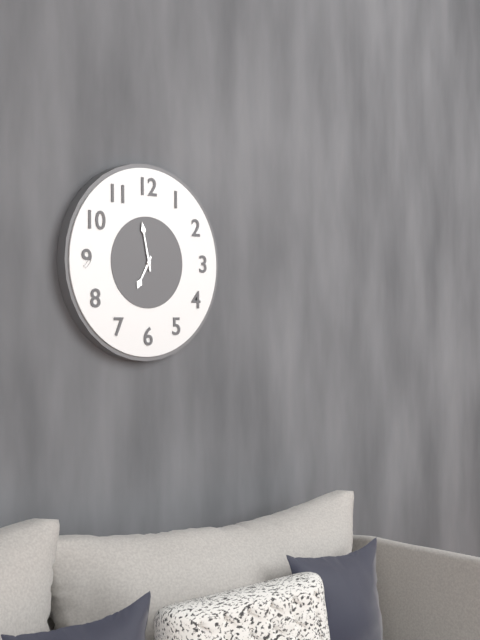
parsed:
6 h 58 min
